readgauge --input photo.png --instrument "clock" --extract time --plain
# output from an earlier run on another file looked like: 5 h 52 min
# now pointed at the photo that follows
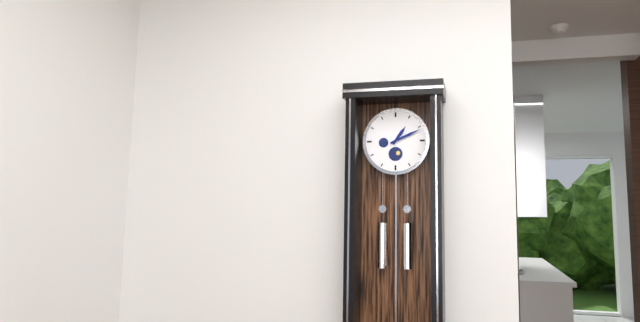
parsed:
1 h 11 min
